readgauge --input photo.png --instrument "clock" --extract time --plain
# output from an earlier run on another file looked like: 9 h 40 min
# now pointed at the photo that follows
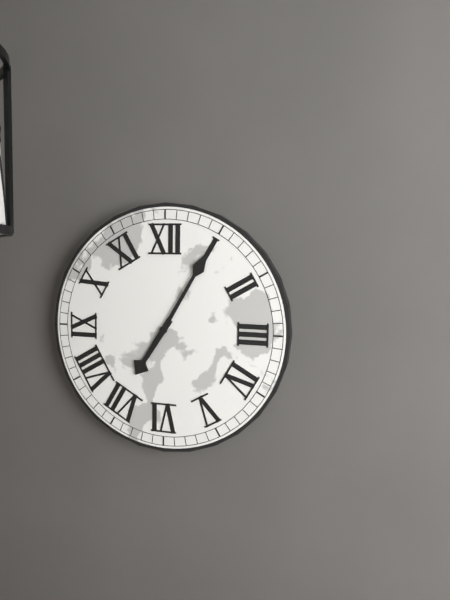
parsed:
7 h 05 min
